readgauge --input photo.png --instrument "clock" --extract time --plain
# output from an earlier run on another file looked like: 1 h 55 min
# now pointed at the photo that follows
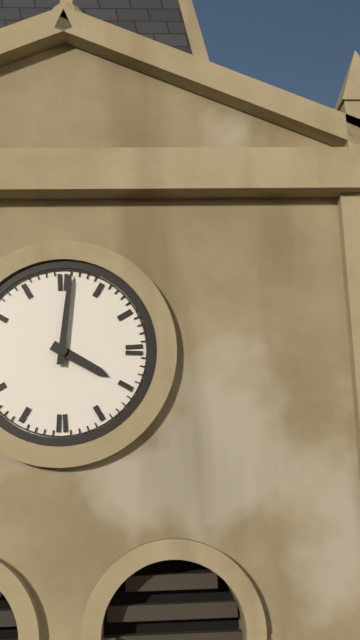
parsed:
4 h 01 min
